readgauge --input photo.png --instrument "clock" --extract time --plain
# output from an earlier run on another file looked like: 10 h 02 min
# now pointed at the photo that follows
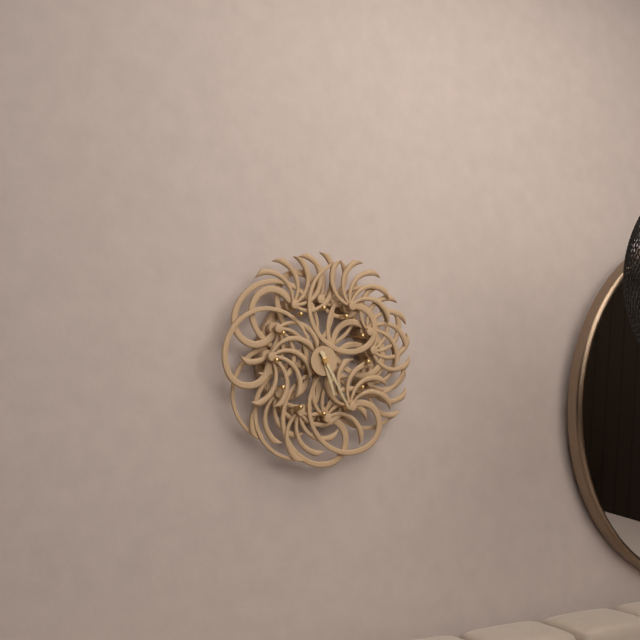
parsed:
5 h 25 min
